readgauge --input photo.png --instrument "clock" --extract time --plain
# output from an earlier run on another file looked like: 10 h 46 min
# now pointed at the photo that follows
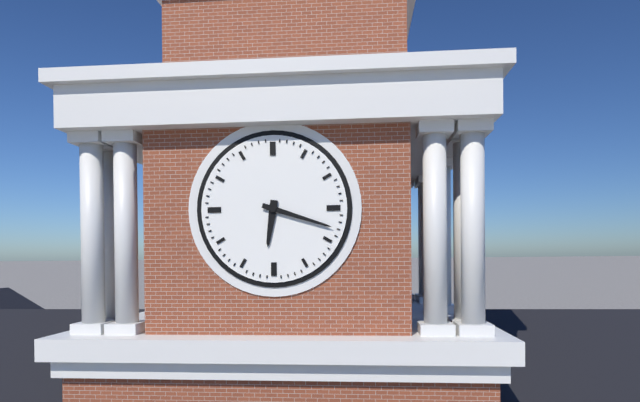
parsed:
6 h 18 min
